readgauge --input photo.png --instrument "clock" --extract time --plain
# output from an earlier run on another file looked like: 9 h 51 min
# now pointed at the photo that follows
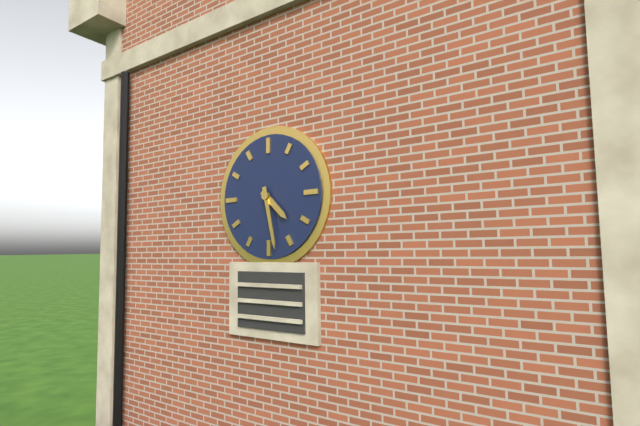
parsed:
4 h 28 min
